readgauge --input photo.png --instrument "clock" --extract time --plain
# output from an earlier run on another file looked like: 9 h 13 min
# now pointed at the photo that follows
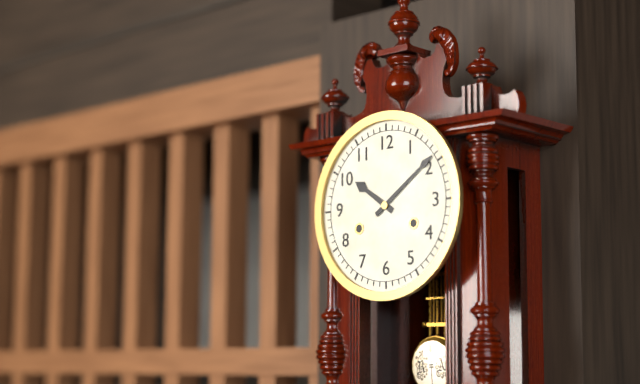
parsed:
10 h 09 min
